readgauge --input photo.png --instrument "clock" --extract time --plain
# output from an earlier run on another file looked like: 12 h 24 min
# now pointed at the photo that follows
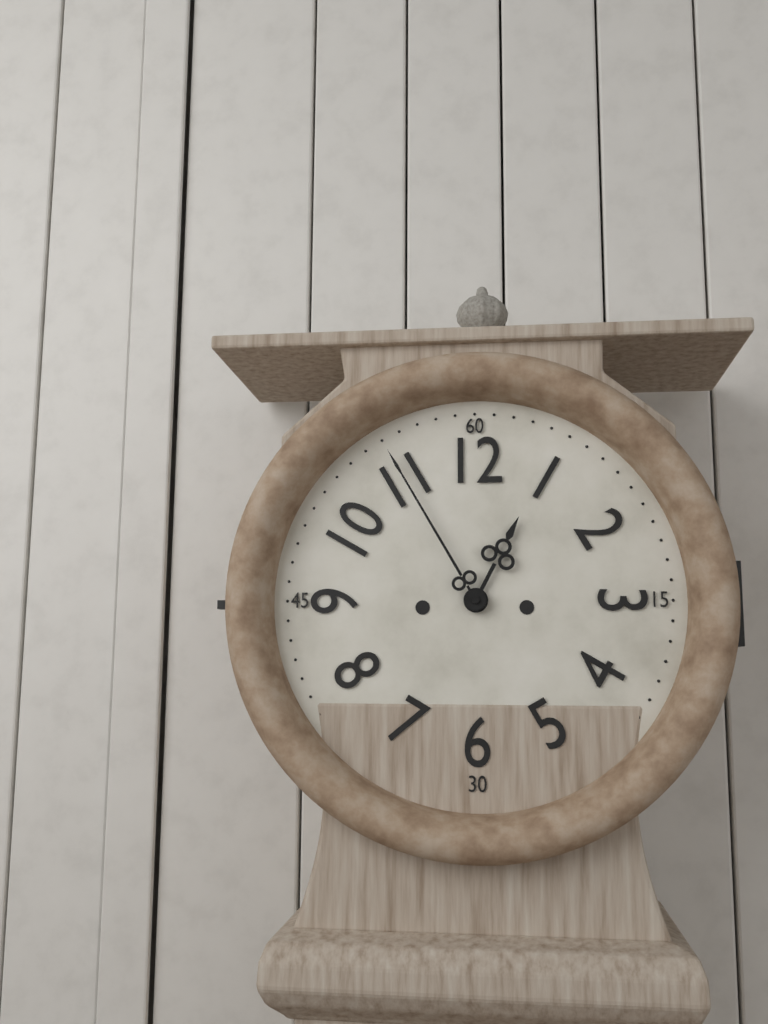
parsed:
12 h 55 min
